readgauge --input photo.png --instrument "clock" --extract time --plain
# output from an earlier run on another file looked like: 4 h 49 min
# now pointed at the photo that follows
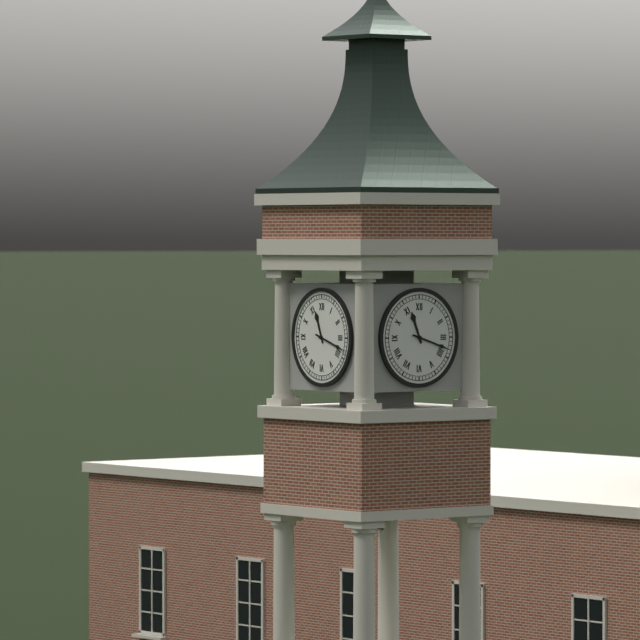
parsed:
11 h 18 min
